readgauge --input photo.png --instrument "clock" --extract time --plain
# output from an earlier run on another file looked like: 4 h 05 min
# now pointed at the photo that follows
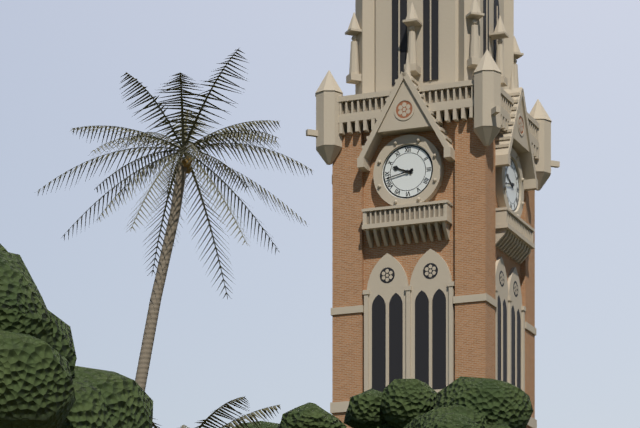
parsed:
9 h 43 min
